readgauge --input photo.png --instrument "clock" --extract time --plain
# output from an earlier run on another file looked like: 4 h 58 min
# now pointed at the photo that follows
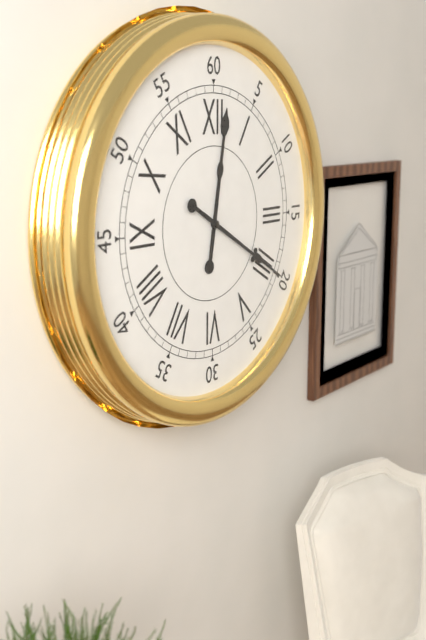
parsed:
12 h 20 min
